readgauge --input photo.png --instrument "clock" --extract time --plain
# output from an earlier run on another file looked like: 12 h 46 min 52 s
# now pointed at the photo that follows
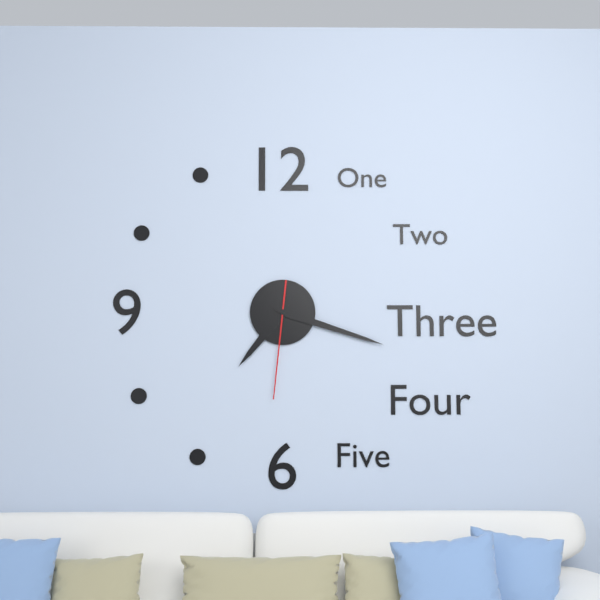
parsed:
7 h 18 min 31 s
